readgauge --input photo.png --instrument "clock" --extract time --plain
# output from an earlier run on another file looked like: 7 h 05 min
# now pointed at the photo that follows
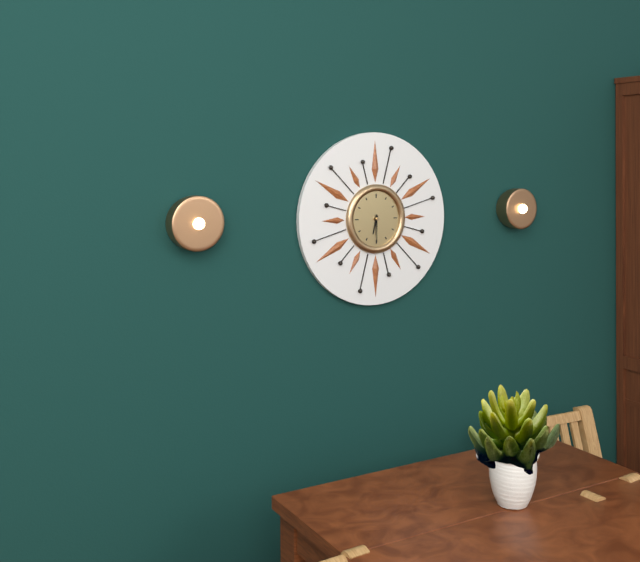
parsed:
6 h 30 min
